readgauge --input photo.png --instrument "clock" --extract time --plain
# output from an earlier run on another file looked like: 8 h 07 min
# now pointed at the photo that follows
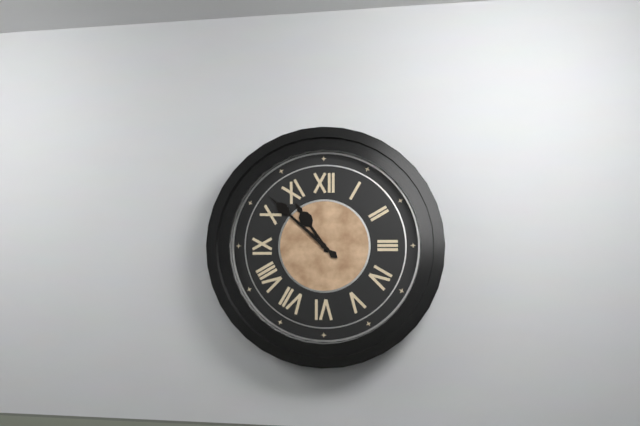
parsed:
10 h 52 min
